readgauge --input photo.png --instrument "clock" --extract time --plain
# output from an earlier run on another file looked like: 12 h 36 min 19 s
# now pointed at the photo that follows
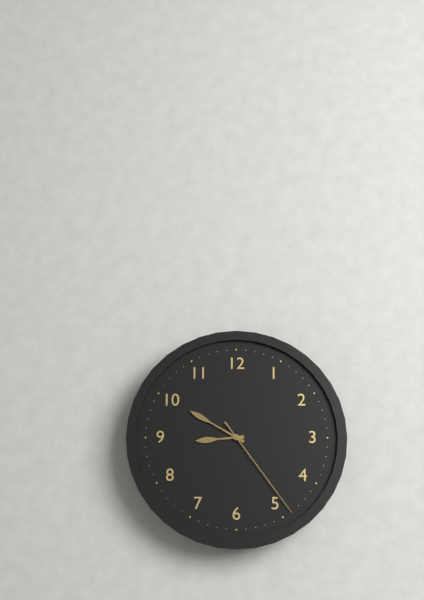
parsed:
8 h 50 min 24 s
